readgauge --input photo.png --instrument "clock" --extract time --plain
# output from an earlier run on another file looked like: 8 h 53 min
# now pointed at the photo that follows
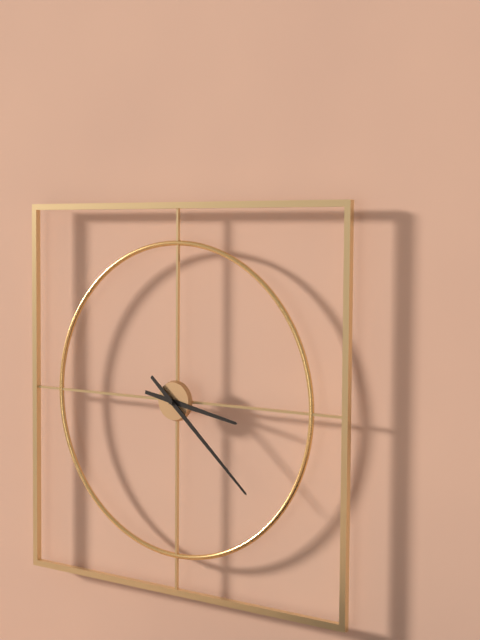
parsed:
3 h 22 min
